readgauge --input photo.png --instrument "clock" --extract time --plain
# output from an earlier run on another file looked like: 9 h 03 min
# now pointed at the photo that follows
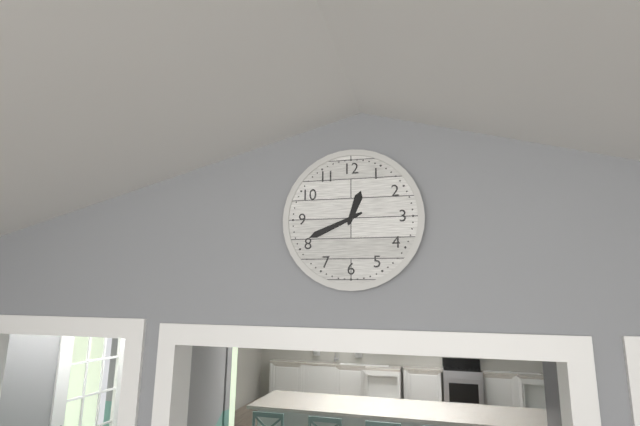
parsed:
12 h 41 min
